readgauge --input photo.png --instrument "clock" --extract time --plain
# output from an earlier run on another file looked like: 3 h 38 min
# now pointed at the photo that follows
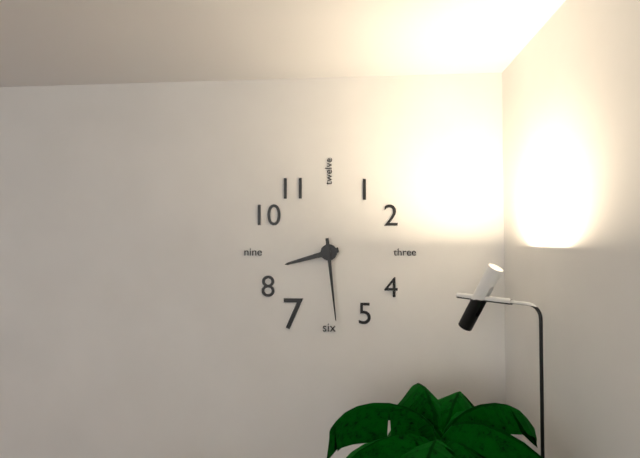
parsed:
8 h 29 min
